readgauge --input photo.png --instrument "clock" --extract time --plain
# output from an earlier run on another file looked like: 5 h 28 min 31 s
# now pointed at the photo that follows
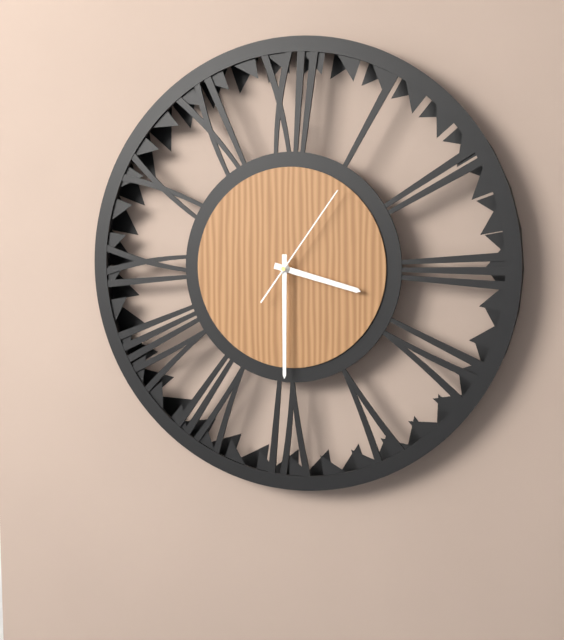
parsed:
3 h 30 min 06 s
